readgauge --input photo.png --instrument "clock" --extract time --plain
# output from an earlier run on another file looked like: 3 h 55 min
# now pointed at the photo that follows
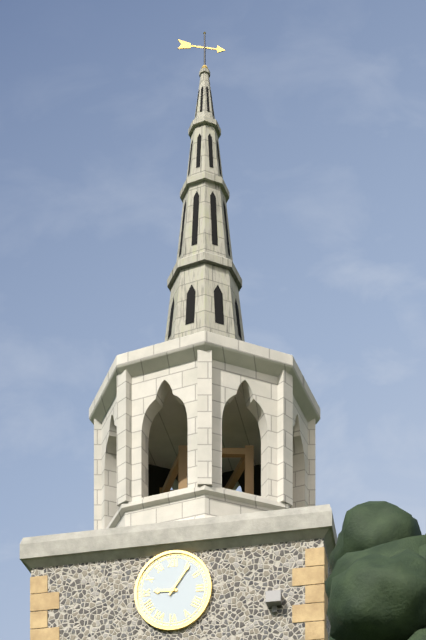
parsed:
9 h 06 min
